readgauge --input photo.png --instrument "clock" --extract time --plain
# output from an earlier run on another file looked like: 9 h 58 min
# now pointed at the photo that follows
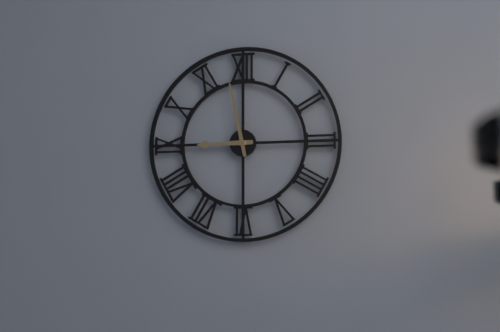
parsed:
8 h 58 min
